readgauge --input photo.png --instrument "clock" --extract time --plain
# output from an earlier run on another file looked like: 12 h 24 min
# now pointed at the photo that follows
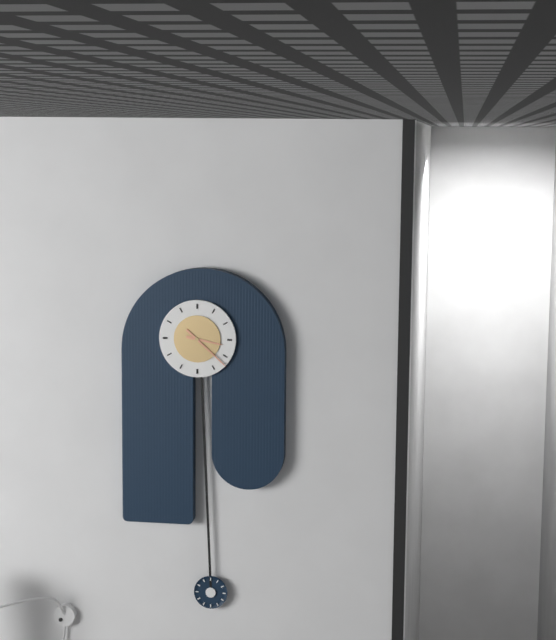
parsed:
3 h 22 min
